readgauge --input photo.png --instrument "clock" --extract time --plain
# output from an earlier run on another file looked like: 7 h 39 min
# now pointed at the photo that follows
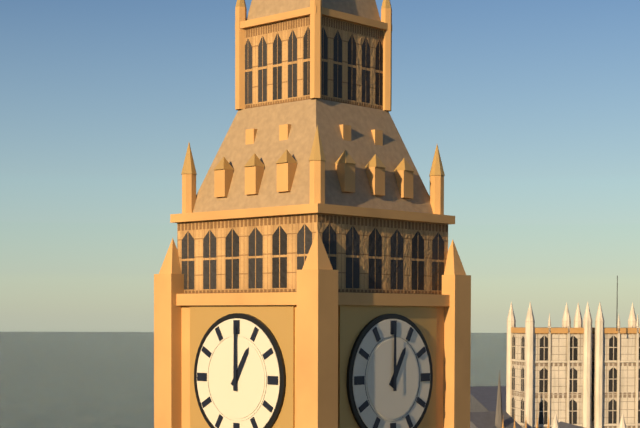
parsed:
1 h 00 min
